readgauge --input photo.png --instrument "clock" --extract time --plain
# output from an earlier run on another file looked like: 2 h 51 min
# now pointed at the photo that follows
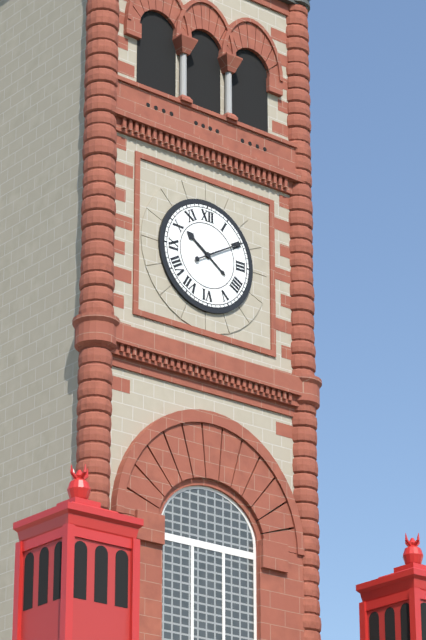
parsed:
10 h 10 min
